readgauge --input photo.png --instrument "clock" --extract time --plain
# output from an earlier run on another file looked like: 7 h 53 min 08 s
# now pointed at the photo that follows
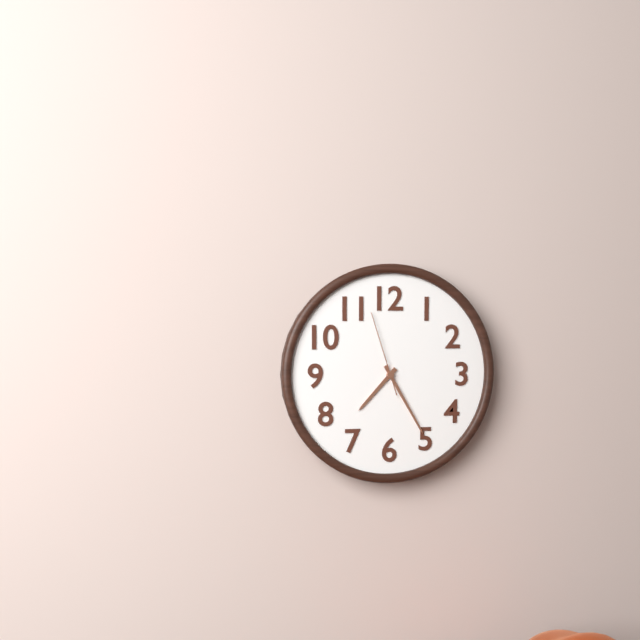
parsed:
7 h 25 min 57 s
